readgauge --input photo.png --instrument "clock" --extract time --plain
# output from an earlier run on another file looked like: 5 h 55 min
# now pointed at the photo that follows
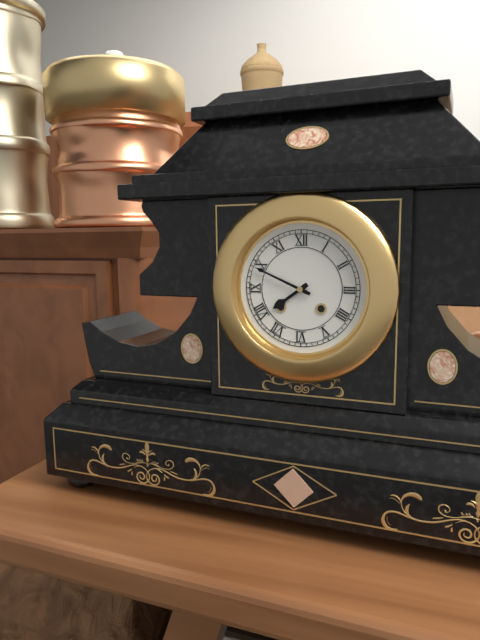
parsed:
7 h 49 min
